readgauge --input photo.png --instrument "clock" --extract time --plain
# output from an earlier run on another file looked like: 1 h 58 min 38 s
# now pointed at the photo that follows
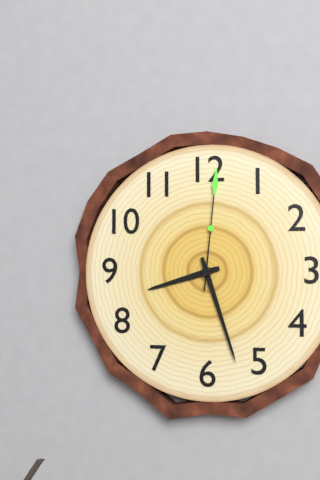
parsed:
8 h 27 min 01 s
